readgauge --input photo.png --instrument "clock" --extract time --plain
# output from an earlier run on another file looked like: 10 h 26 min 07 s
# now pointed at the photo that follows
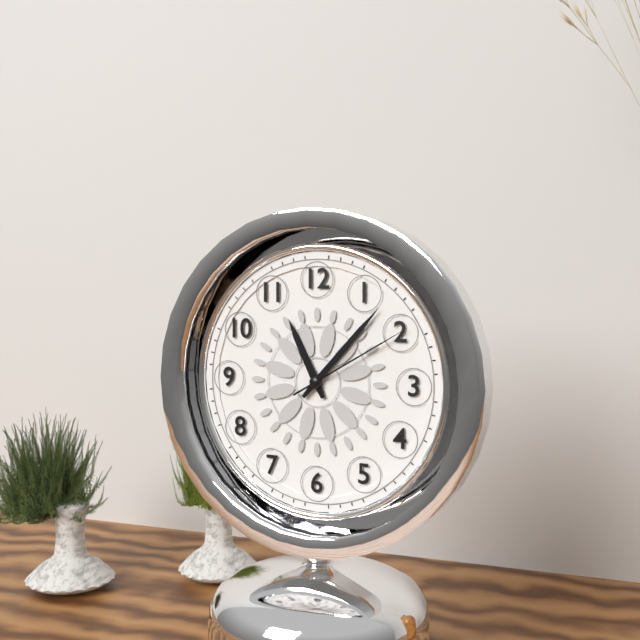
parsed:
11 h 07 min 10 s
